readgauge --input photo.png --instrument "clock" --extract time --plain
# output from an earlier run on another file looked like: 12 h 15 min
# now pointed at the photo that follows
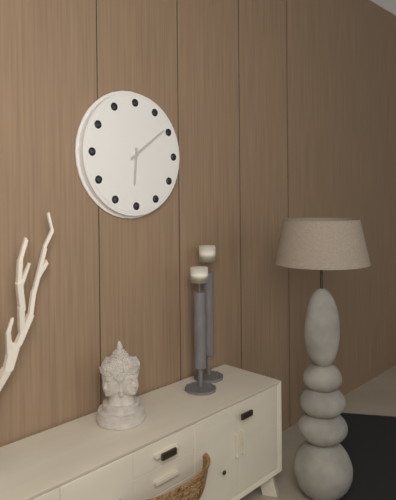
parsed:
6 h 09 min
